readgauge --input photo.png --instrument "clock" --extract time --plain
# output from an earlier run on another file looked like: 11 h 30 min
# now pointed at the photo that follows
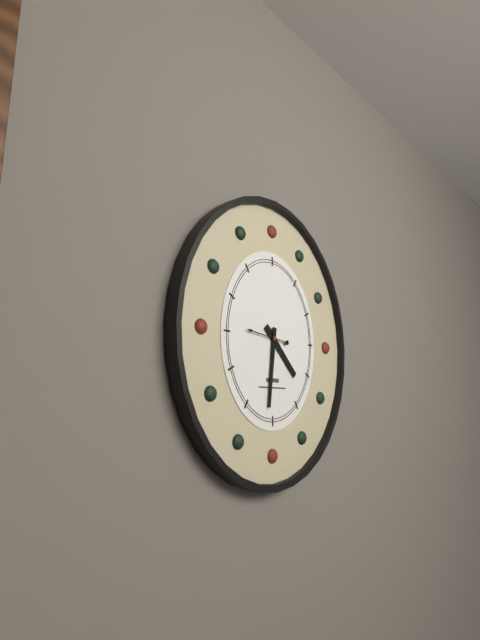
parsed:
4 h 31 min
